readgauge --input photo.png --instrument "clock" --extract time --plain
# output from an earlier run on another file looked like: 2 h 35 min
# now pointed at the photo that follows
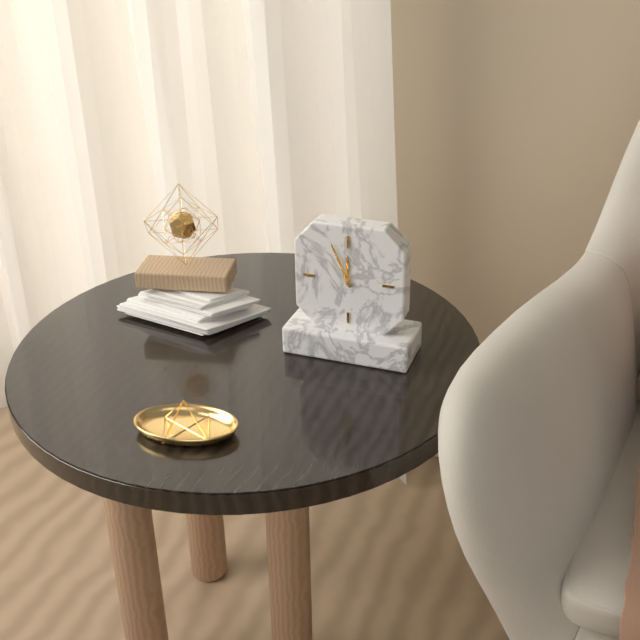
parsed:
11 h 56 min
